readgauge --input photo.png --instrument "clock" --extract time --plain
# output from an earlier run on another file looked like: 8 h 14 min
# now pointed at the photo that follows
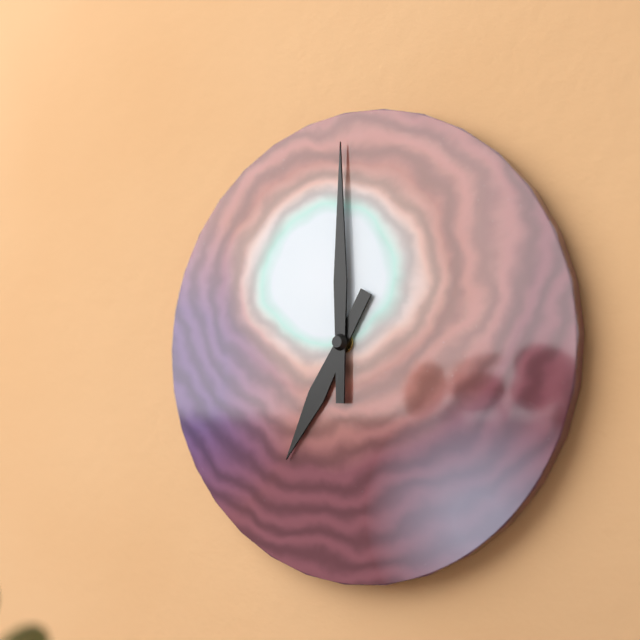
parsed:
7 h 00 min
